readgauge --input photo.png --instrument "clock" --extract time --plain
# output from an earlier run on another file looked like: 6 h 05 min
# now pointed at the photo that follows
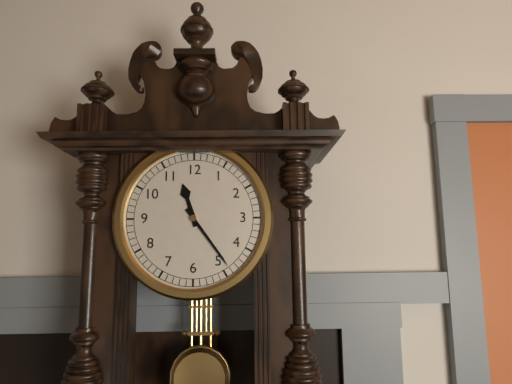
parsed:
11 h 24 min
